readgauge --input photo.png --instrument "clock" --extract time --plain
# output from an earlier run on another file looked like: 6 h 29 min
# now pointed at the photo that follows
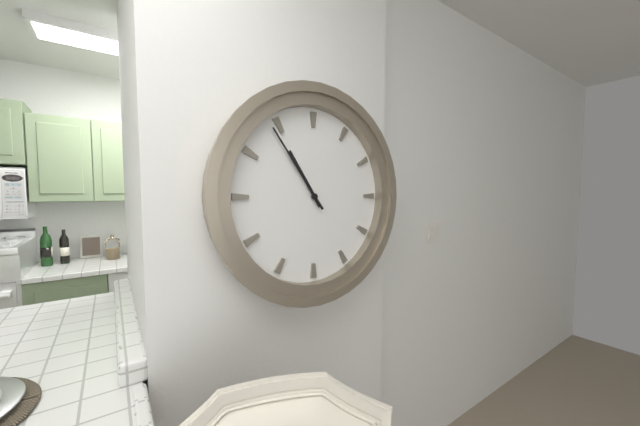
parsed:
10 h 54 min
